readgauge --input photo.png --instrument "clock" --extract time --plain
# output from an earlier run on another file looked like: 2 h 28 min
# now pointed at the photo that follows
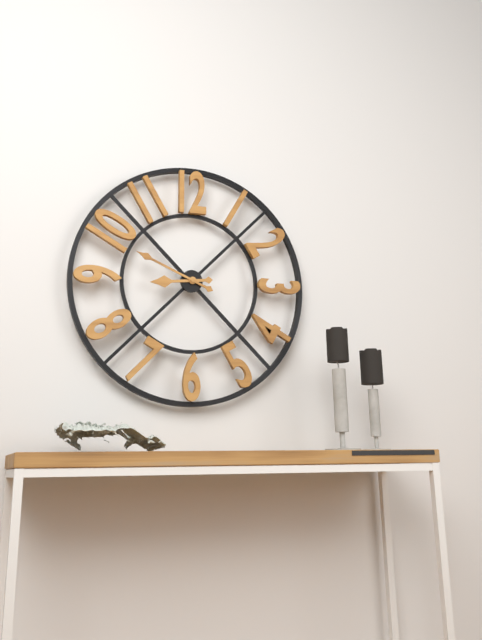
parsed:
8 h 49 min
